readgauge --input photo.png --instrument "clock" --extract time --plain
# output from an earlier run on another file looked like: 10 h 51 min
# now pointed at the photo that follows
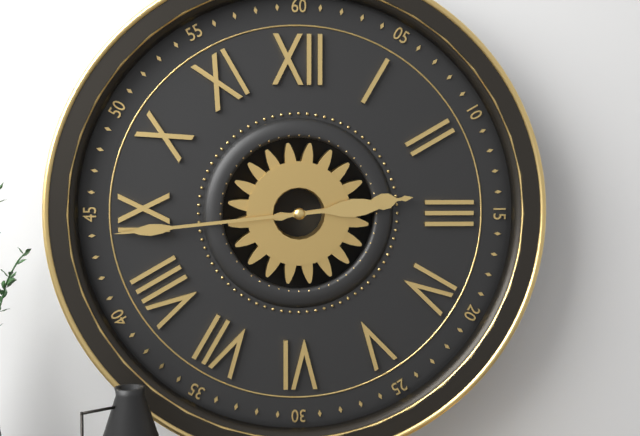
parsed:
2 h 44 min
